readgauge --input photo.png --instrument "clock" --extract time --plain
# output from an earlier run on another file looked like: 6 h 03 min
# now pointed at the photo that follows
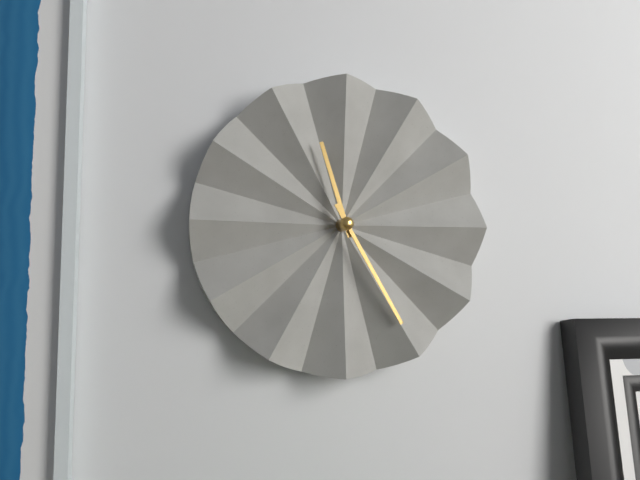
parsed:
11 h 25 min
